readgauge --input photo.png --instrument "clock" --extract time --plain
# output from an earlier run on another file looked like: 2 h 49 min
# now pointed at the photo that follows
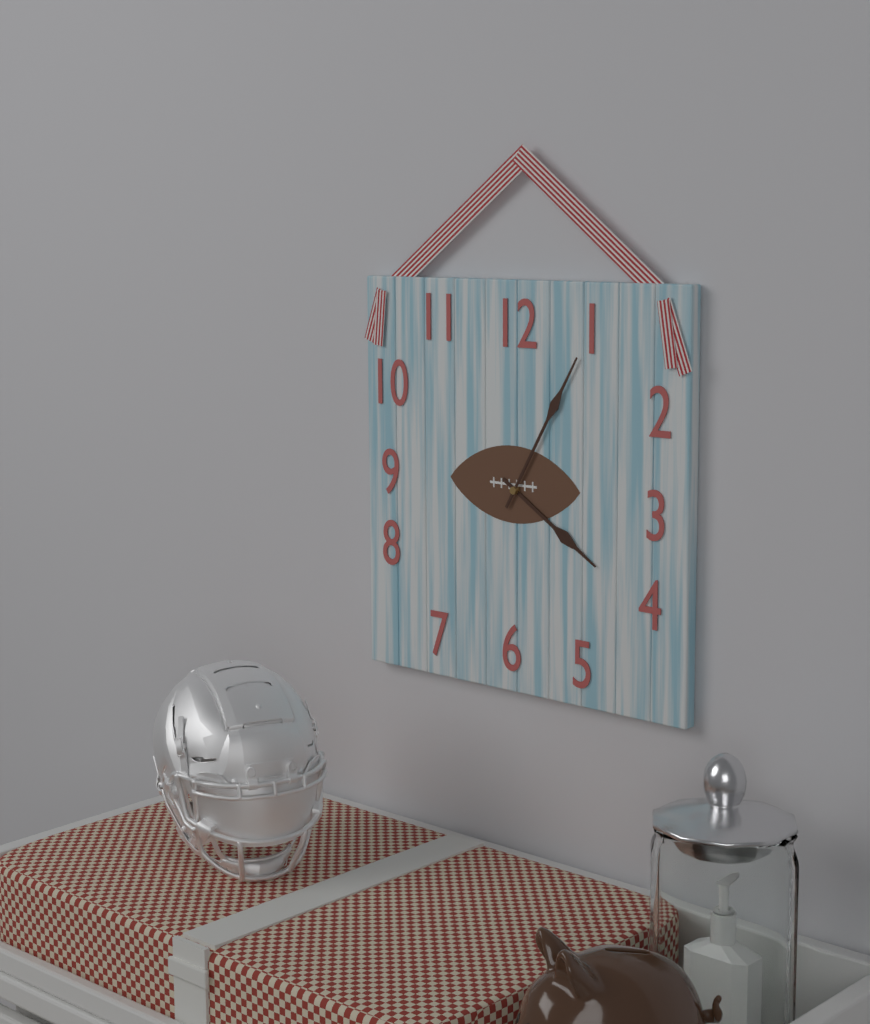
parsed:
4 h 05 min
